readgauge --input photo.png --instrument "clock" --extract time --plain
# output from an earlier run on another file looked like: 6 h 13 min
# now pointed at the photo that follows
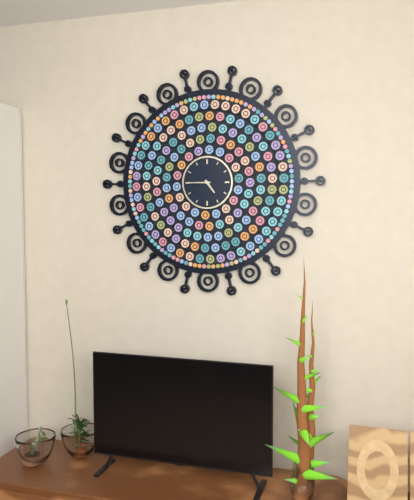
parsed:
4 h 45 min
